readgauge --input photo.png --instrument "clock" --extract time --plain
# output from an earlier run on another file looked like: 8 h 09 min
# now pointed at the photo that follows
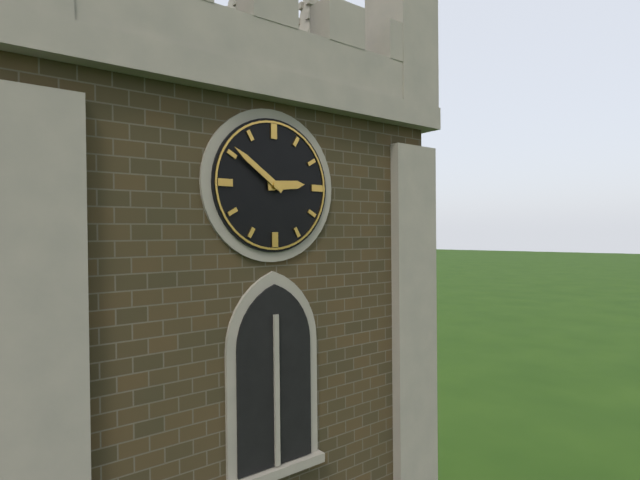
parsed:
2 h 51 min
